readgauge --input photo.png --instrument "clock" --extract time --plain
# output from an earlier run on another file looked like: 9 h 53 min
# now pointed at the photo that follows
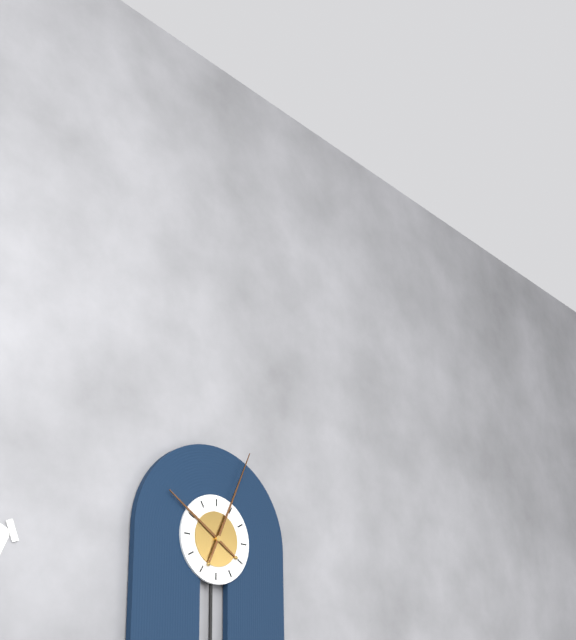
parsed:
10 h 04 min
